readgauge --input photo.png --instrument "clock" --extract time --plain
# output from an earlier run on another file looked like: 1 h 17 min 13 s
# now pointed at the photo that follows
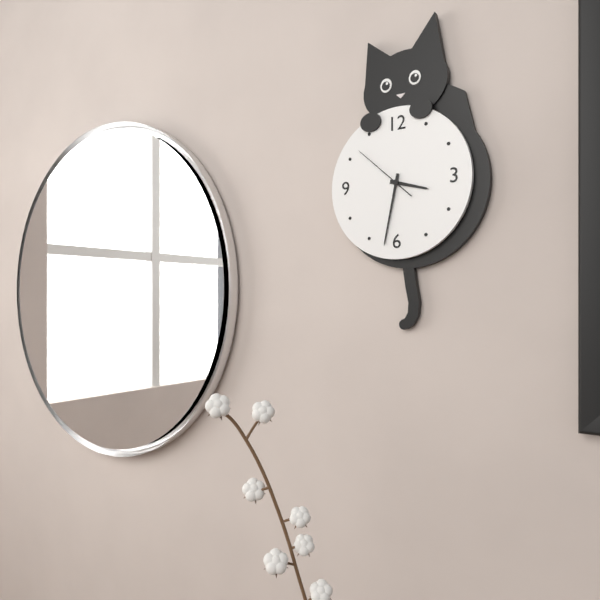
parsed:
3 h 32 min 52 s
